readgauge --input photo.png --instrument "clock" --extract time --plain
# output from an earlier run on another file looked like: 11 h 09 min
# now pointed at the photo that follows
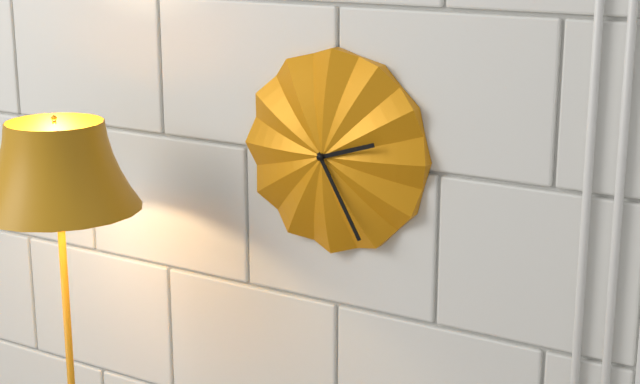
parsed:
2 h 25 min
